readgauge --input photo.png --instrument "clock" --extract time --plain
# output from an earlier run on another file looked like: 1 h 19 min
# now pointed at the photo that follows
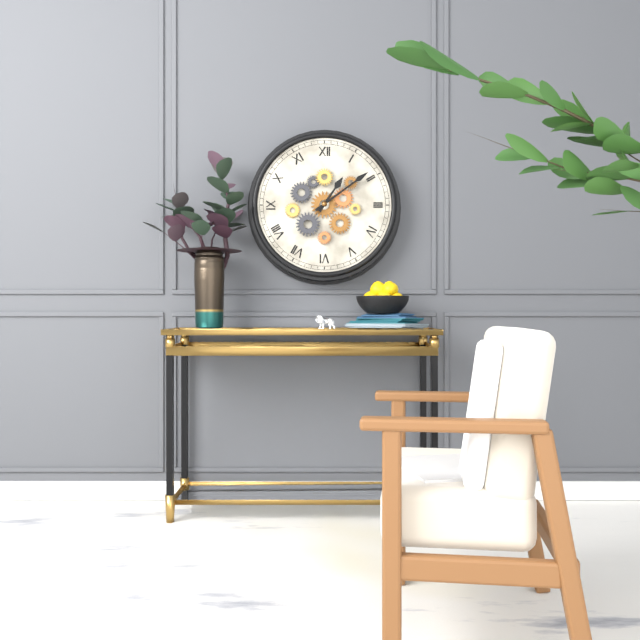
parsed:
1 h 09 min
